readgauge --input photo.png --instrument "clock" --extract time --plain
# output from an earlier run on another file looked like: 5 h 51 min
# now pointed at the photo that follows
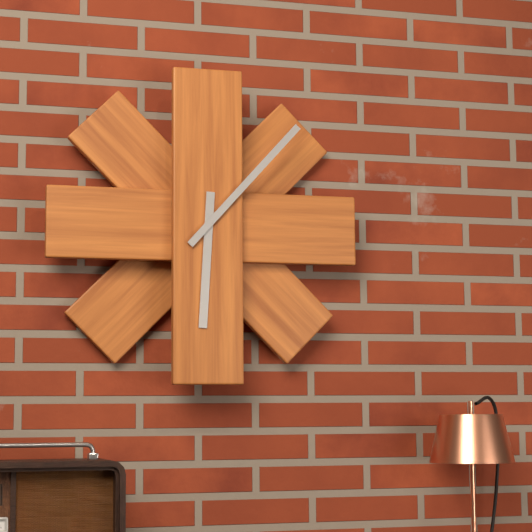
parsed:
6 h 07 min
